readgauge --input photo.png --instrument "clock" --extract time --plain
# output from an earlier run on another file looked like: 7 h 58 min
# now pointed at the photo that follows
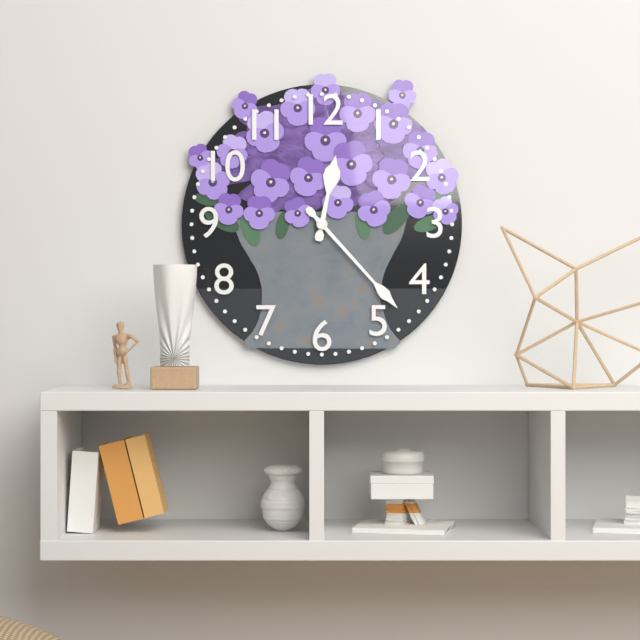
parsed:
12 h 23 min
